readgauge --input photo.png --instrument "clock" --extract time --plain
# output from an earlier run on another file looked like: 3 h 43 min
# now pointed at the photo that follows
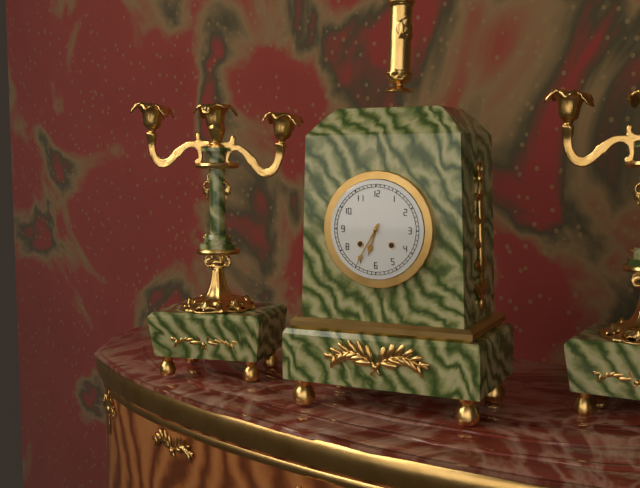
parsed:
6 h 35 min
